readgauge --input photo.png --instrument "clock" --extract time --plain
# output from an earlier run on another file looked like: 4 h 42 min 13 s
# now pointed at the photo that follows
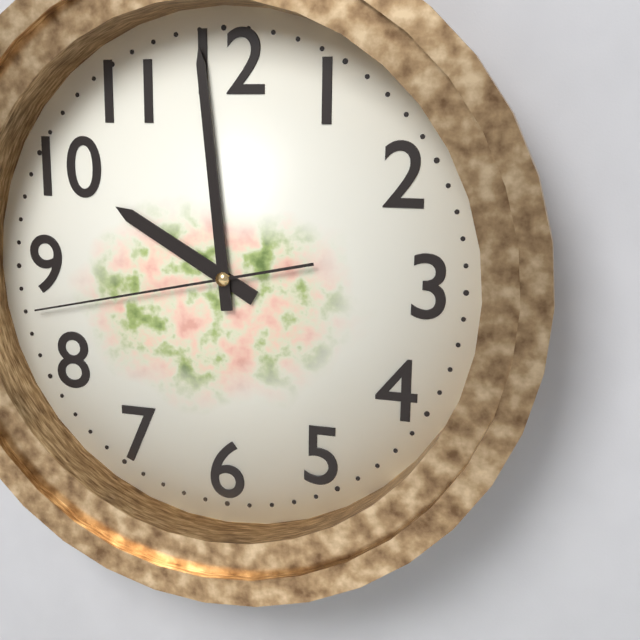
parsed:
9 h 59 min 43 s
